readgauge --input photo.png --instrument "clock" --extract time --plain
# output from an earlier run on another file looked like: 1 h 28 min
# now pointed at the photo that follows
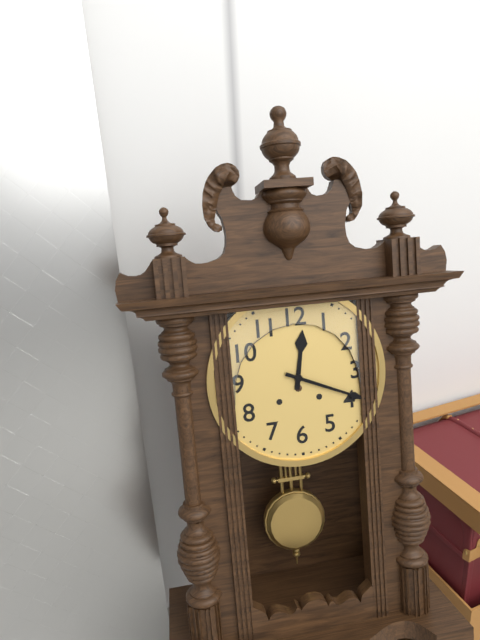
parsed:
12 h 19 min
